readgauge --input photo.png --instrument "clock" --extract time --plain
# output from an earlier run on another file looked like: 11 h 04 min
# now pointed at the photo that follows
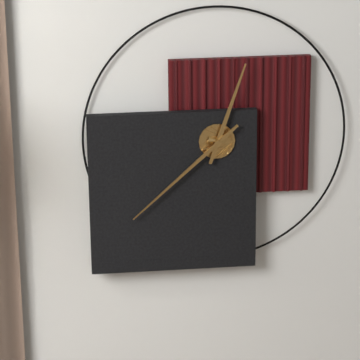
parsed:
12 h 38 min
